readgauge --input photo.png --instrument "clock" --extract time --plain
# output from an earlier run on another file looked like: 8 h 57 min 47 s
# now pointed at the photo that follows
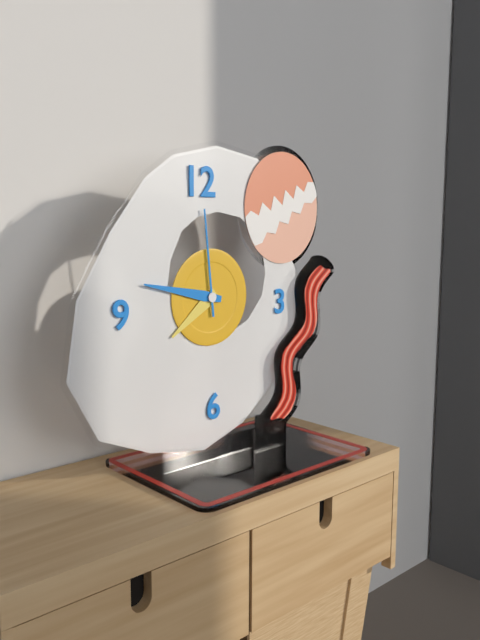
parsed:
7 h 47 min 59 s
